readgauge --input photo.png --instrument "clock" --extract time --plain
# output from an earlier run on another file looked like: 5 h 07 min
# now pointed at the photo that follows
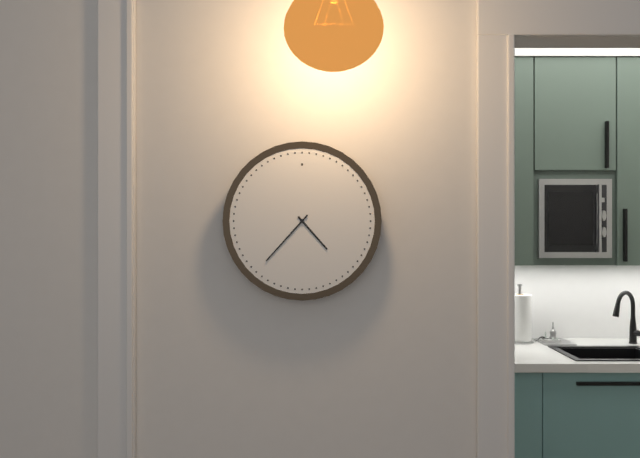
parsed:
4 h 37 min
